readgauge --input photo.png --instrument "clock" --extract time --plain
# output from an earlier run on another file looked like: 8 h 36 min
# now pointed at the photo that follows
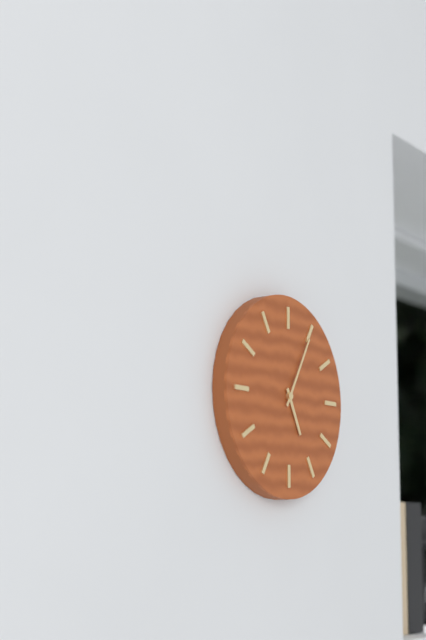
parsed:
5 h 05 min
